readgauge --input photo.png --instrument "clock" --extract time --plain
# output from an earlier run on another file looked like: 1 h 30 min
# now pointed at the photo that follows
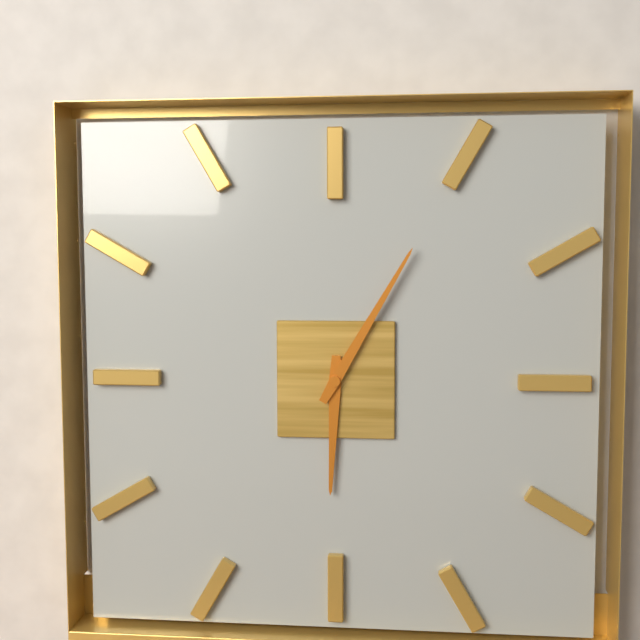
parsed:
6 h 05 min
